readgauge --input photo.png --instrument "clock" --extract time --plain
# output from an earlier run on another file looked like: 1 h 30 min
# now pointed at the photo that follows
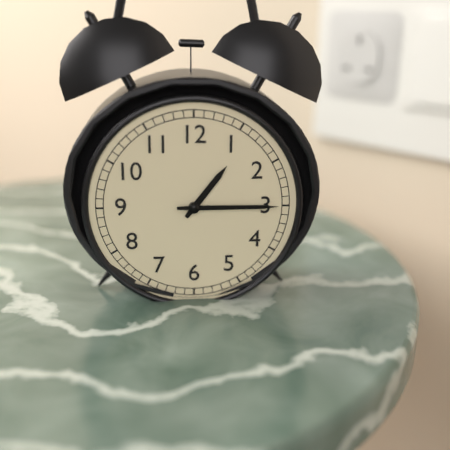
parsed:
1 h 15 min
